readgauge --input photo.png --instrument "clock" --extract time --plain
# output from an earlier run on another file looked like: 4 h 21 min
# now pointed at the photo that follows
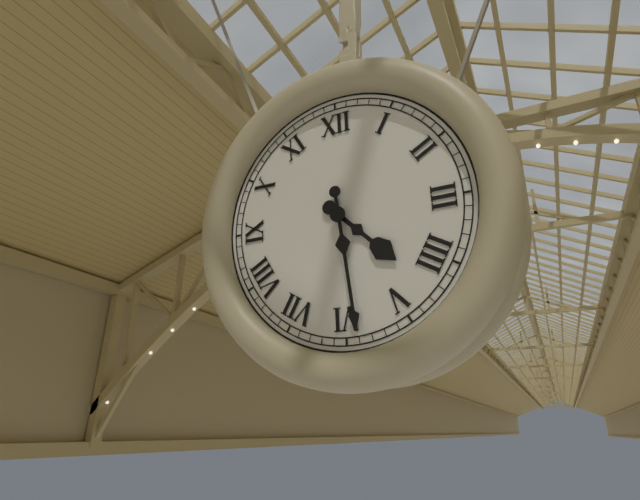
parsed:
4 h 29 min
